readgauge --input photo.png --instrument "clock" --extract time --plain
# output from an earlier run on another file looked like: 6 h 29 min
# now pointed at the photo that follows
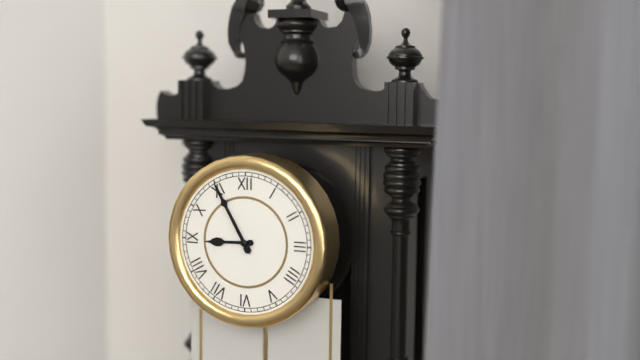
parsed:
8 h 55 min
